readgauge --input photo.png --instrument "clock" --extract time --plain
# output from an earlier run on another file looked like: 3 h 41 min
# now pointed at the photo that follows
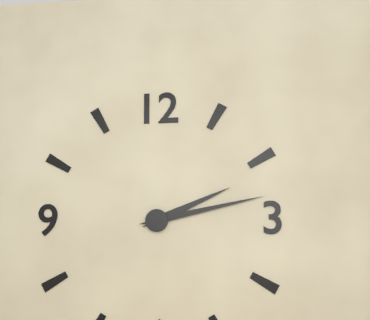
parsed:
2 h 13 min
